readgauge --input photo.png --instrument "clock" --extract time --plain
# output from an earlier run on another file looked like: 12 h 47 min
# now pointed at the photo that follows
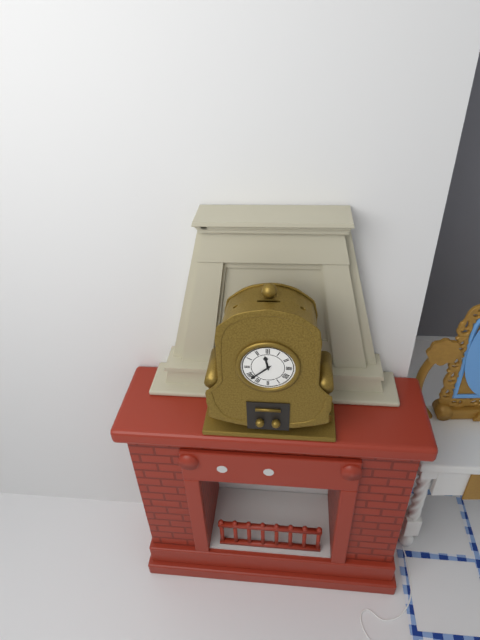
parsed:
11 h 38 min
